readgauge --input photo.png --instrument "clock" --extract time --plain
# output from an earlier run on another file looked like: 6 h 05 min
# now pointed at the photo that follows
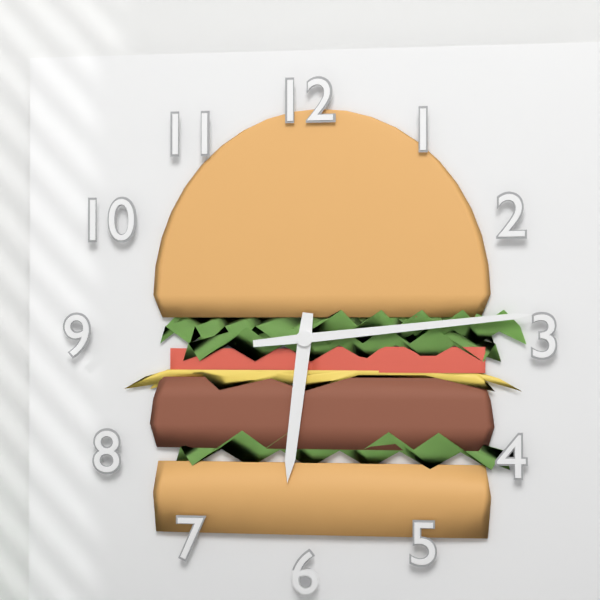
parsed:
6 h 14 min
